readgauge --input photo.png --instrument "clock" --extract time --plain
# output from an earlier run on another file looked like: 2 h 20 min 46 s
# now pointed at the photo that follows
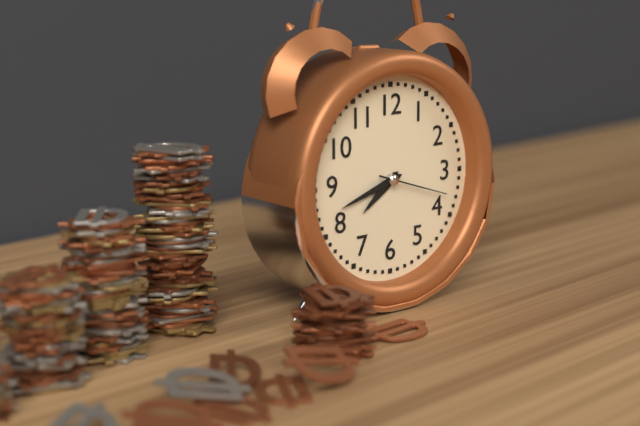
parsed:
7 h 42 min 18 s
